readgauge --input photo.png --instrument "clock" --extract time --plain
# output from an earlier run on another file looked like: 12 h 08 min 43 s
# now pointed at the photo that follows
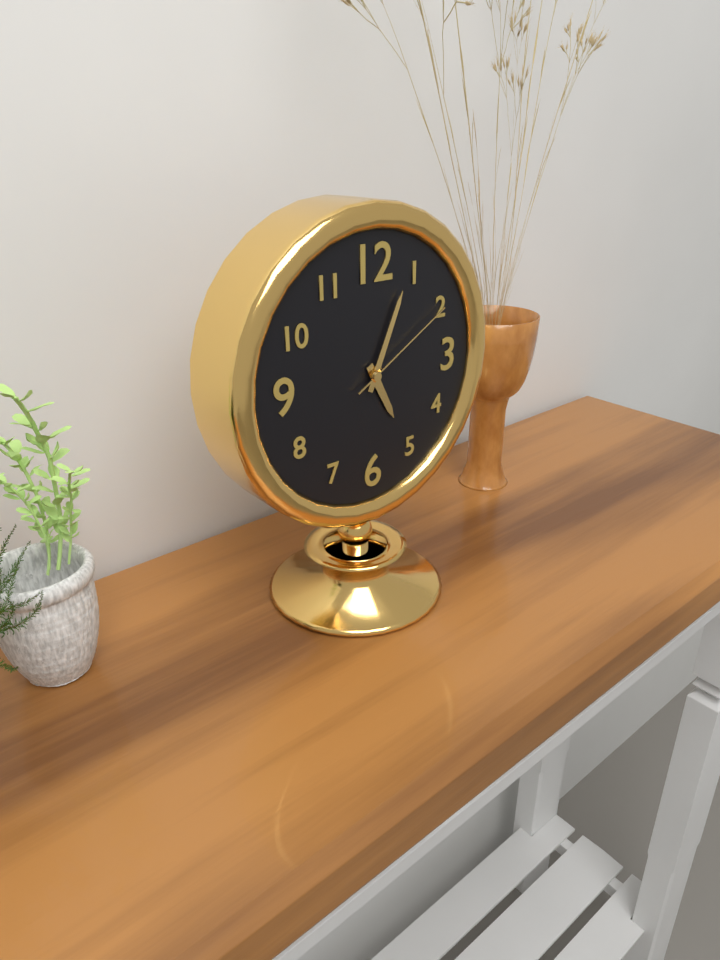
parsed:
5 h 04 min 10 s
